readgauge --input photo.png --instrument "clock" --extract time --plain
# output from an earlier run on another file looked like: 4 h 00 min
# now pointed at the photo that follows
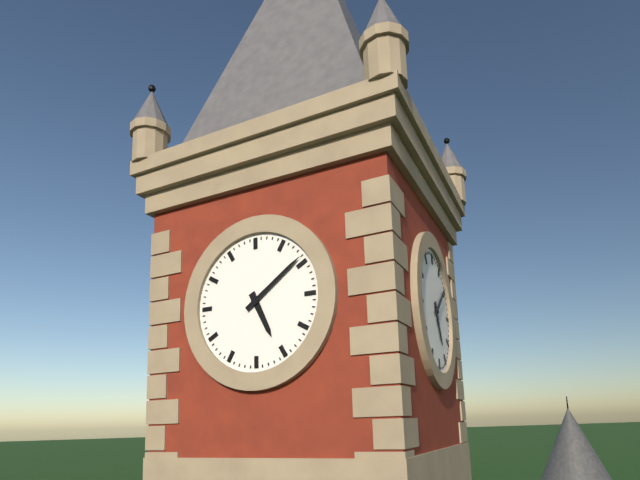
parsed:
5 h 09 min
